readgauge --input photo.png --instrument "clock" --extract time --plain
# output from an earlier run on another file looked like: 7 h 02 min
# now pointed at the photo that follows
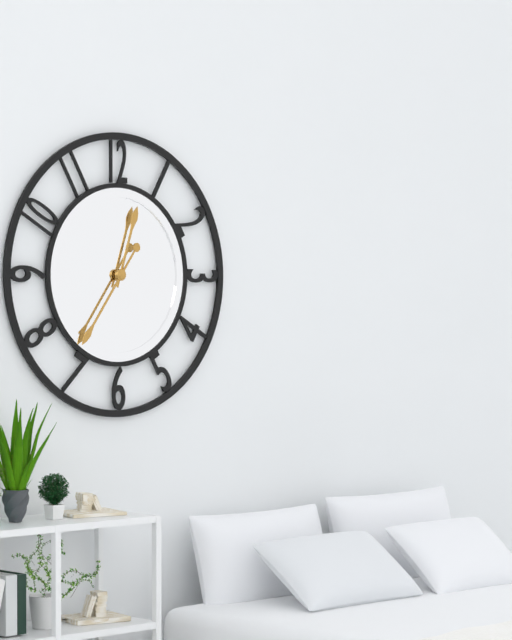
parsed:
12 h 36 min
